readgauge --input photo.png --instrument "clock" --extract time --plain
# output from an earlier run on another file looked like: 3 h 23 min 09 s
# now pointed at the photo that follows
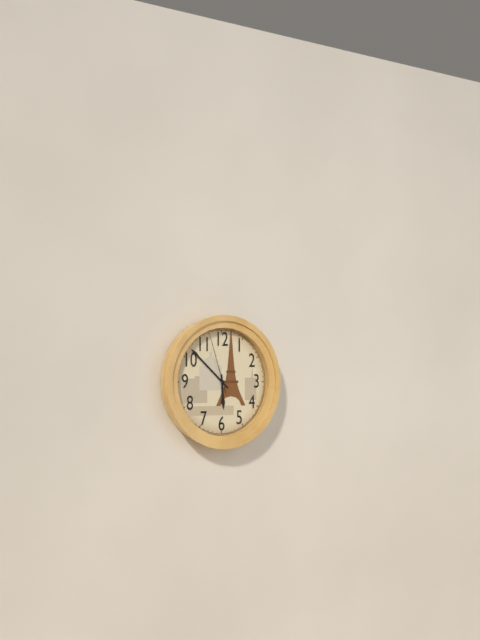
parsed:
5 h 52 min 57 s
